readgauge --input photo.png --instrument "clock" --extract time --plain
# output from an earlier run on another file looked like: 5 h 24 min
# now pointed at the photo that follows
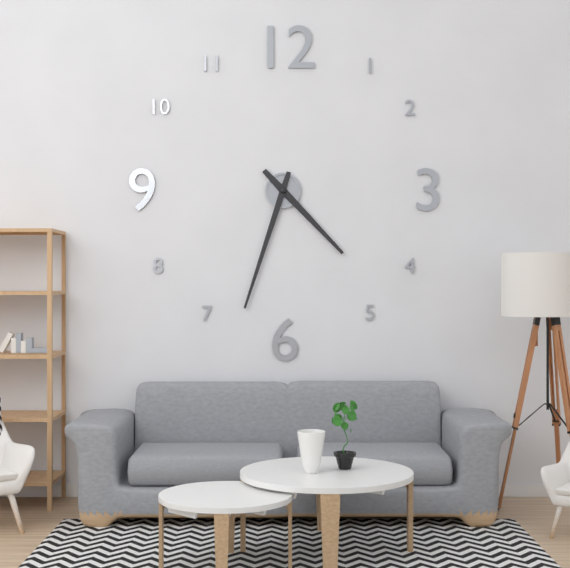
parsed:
4 h 33 min
